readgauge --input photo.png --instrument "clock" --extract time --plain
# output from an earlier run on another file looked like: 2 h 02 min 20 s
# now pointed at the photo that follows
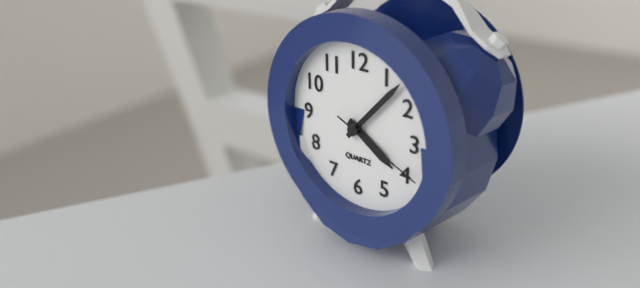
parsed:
4 h 07 min 19 s
